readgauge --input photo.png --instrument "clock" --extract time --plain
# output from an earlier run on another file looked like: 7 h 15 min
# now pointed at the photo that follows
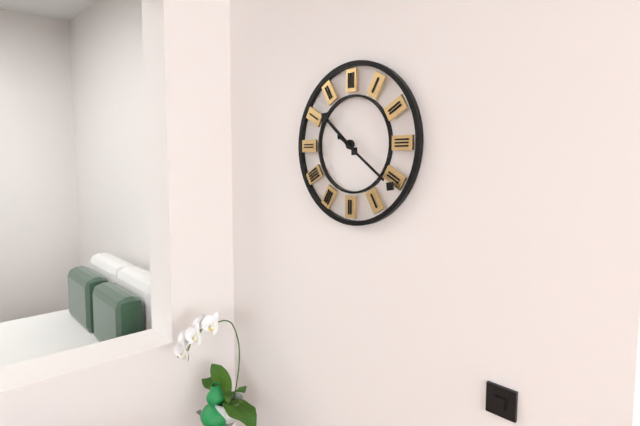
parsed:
10 h 21 min
